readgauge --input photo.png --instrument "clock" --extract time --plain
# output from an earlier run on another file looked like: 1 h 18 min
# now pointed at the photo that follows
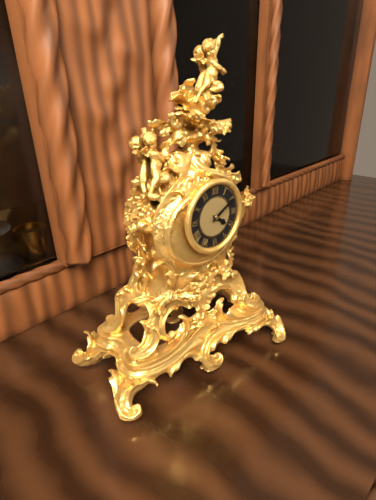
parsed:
4 h 10 min
